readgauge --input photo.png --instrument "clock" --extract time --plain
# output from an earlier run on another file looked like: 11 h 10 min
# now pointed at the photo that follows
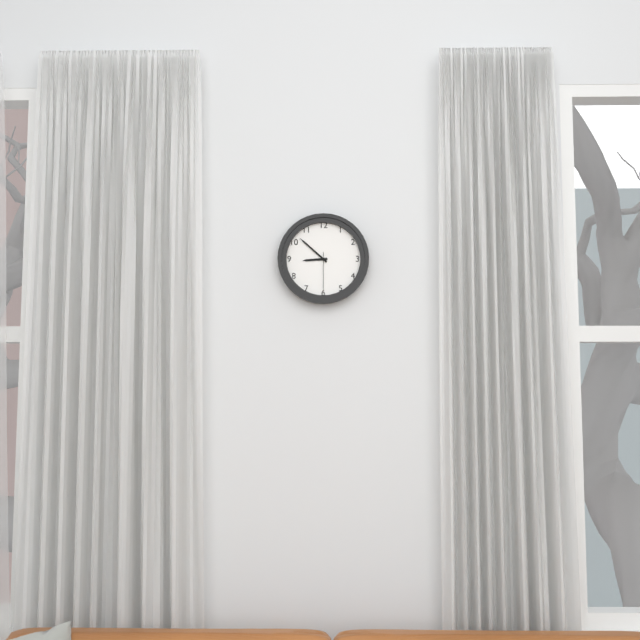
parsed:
8 h 52 min
